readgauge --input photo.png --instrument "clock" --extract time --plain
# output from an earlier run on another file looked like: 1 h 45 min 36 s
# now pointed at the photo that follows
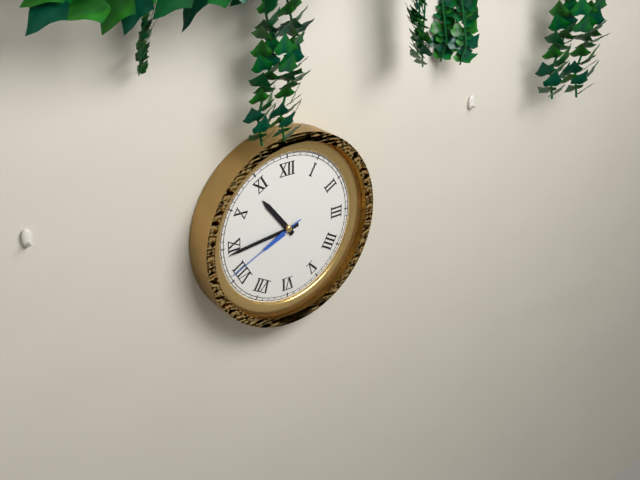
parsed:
10 h 44 min 41 s
